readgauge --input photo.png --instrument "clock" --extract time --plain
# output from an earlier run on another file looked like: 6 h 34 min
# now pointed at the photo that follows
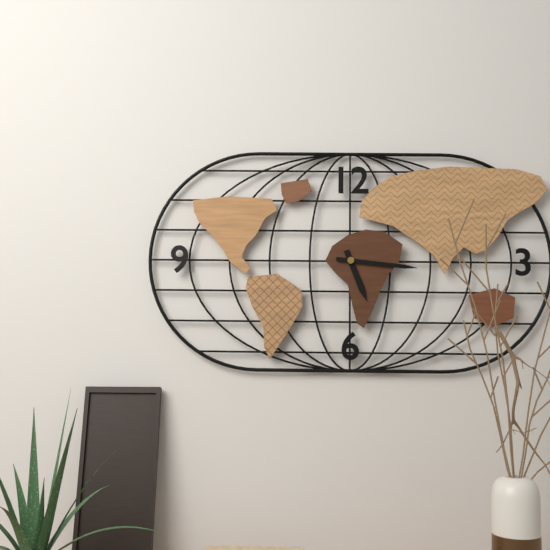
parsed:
5 h 16 min
